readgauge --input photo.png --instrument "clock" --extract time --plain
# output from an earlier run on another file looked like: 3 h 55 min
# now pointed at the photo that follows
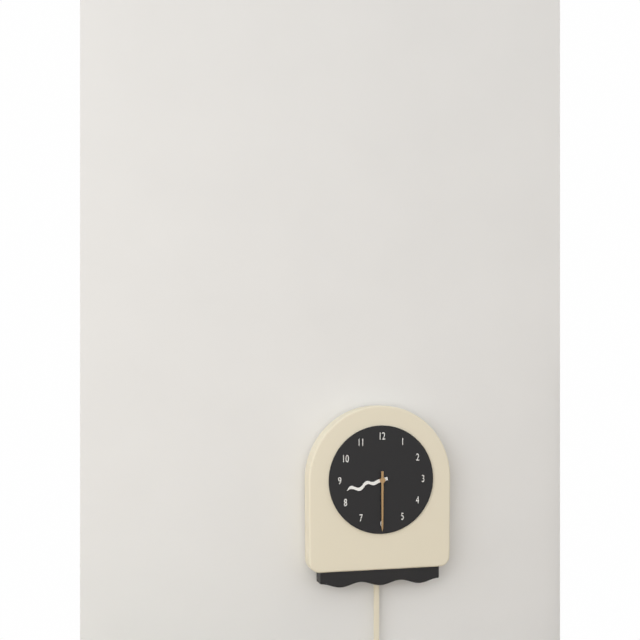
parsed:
8 h 30 min
